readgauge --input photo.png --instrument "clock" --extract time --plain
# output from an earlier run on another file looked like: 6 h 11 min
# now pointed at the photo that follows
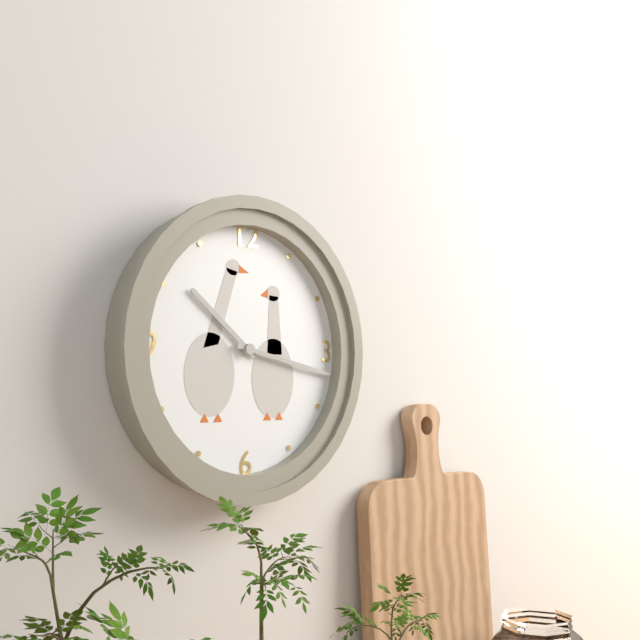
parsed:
10 h 17 min
